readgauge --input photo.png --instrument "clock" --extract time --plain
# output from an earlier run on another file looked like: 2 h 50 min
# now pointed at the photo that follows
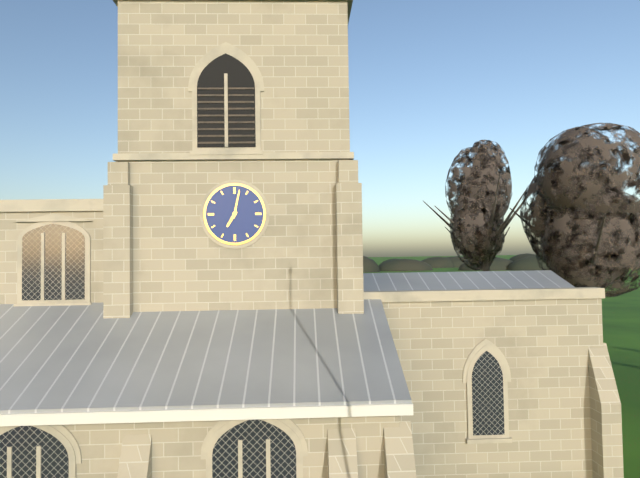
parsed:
7 h 02 min
